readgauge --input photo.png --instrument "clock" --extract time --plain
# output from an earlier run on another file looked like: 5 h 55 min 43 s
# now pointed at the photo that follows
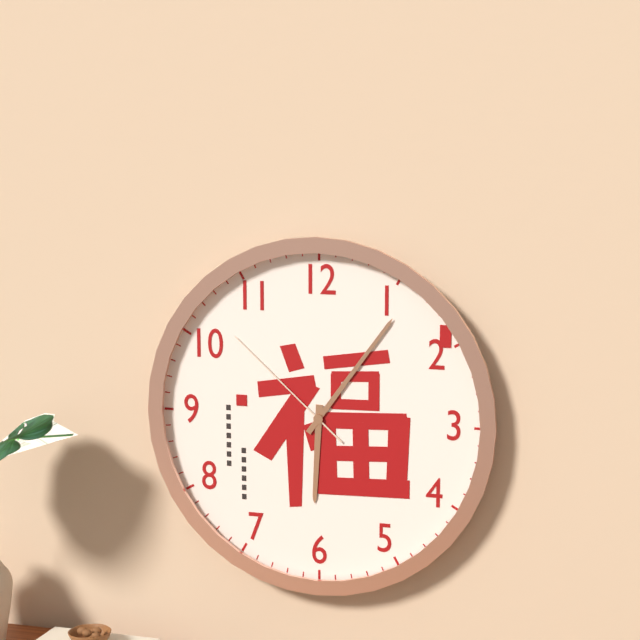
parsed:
6 h 06 min 52 s
